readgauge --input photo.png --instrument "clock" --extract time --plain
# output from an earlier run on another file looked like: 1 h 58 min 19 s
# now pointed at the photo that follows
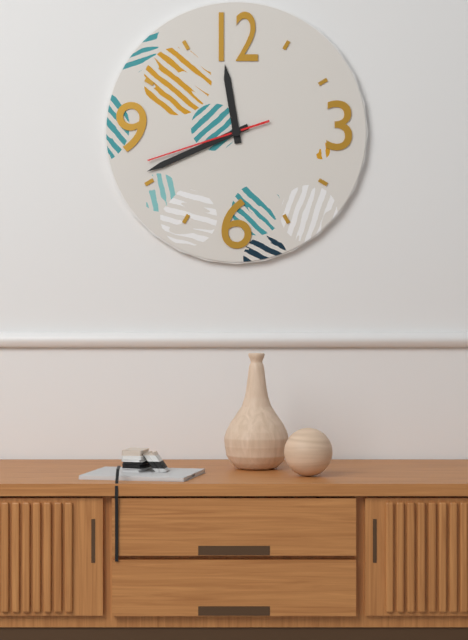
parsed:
11 h 41 min 42 s
